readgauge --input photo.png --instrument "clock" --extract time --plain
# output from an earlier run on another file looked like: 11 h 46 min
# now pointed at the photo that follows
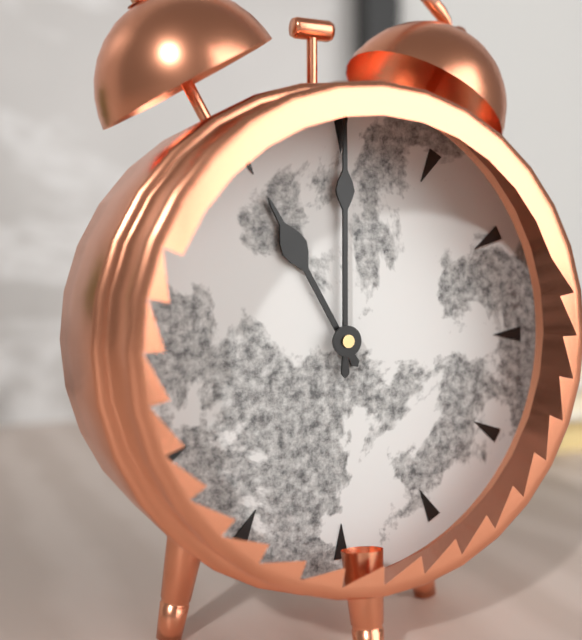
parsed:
11 h 00 min
